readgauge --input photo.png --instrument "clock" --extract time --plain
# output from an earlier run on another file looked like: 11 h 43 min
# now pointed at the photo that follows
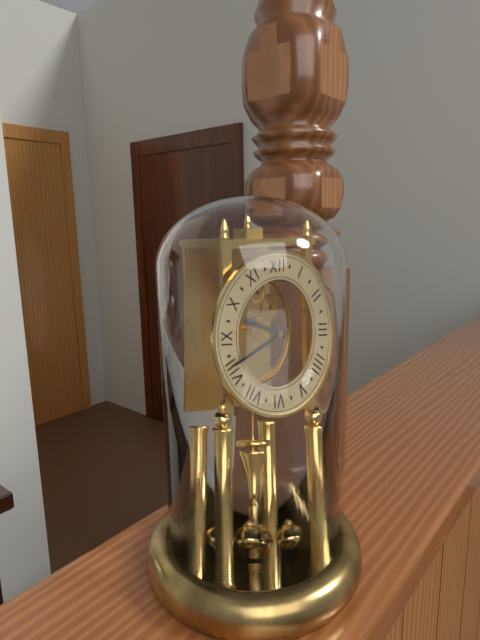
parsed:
9 h 41 min
